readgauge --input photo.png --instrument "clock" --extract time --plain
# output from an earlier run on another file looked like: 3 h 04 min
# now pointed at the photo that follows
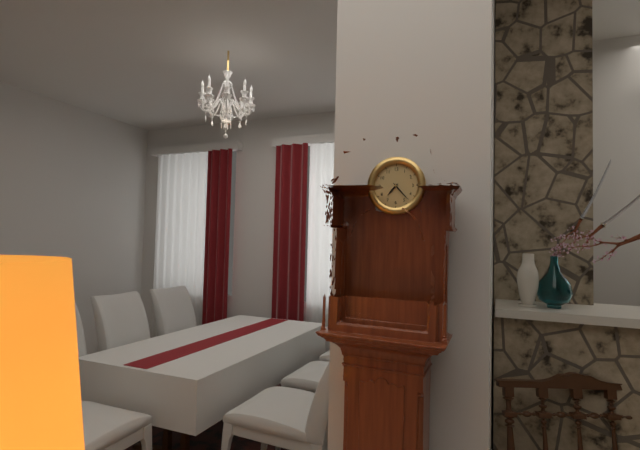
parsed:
7 h 23 min
